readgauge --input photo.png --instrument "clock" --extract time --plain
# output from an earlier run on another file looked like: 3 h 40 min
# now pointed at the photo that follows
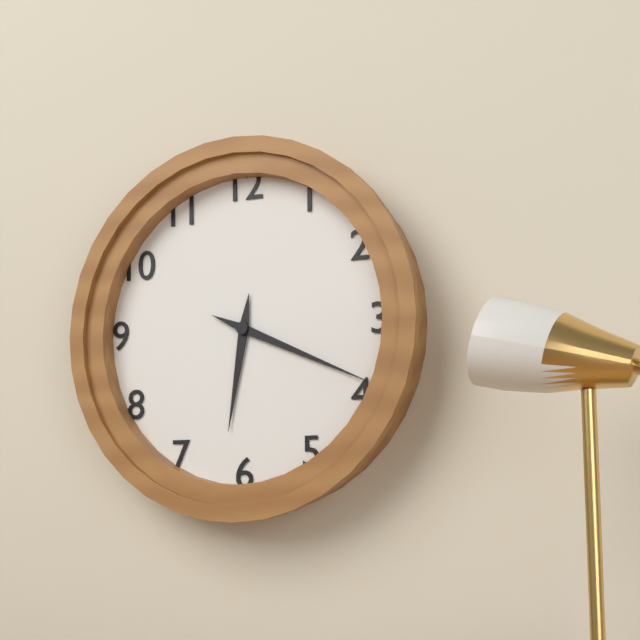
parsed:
6 h 19 min
